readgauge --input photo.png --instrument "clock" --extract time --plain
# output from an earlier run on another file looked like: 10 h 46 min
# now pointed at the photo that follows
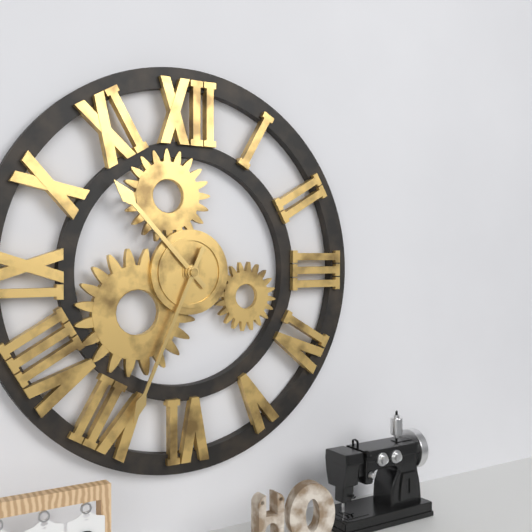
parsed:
10 h 34 min
